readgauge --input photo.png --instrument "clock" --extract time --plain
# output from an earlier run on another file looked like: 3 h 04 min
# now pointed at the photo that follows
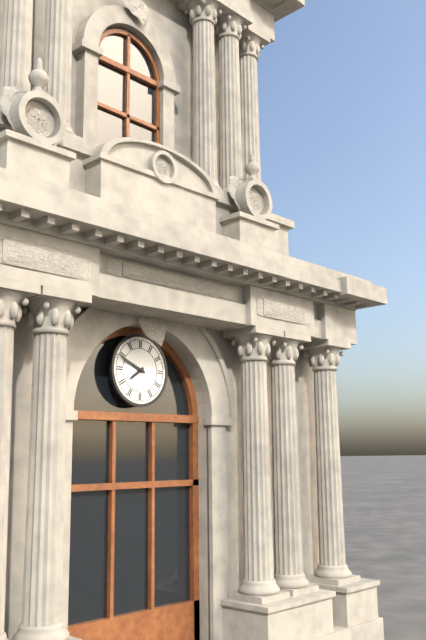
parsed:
7 h 49 min
